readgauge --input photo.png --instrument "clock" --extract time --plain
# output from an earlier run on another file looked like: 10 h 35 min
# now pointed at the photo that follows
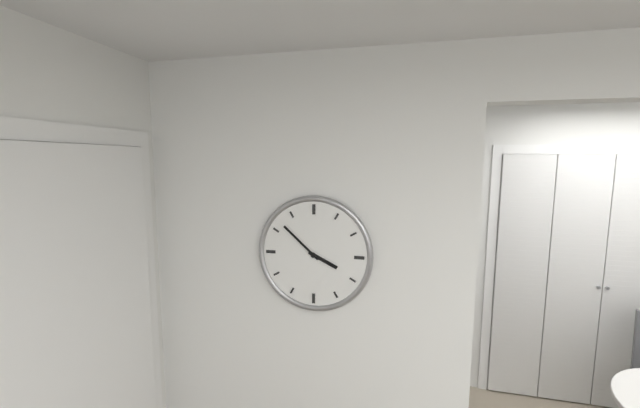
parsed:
3 h 52 min
